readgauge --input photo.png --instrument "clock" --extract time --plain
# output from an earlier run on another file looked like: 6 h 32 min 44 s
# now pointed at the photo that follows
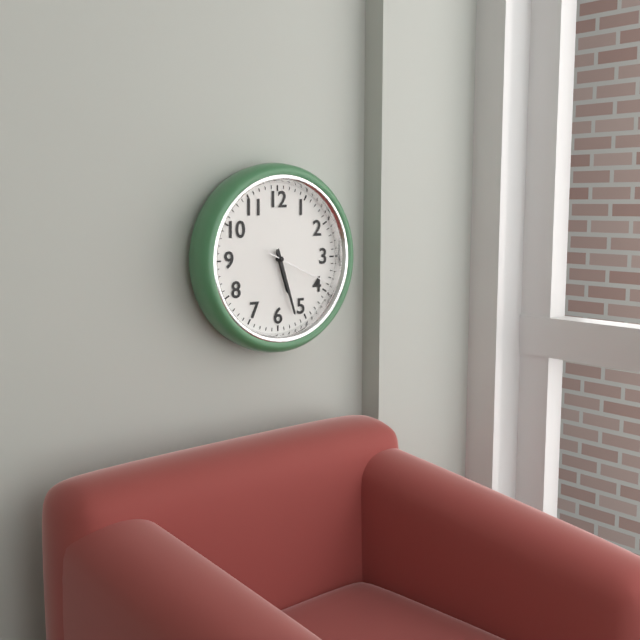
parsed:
5 h 27 min 19 s
